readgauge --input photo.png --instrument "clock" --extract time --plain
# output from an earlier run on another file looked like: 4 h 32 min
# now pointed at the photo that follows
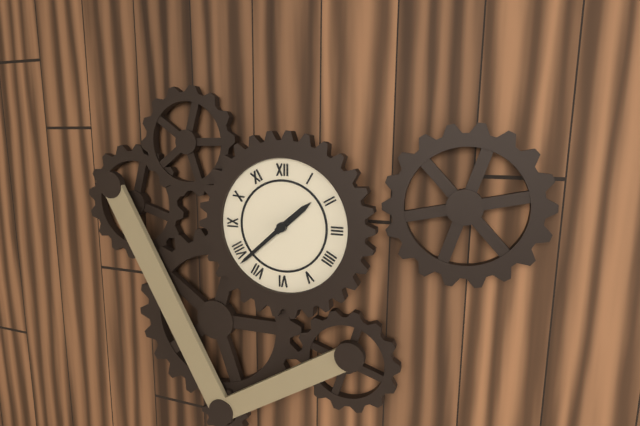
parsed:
1 h 38 min
